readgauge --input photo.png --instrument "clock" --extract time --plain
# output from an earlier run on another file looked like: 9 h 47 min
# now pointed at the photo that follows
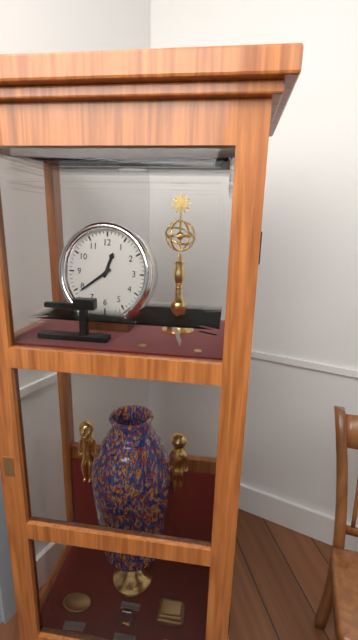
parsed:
12 h 39 min
